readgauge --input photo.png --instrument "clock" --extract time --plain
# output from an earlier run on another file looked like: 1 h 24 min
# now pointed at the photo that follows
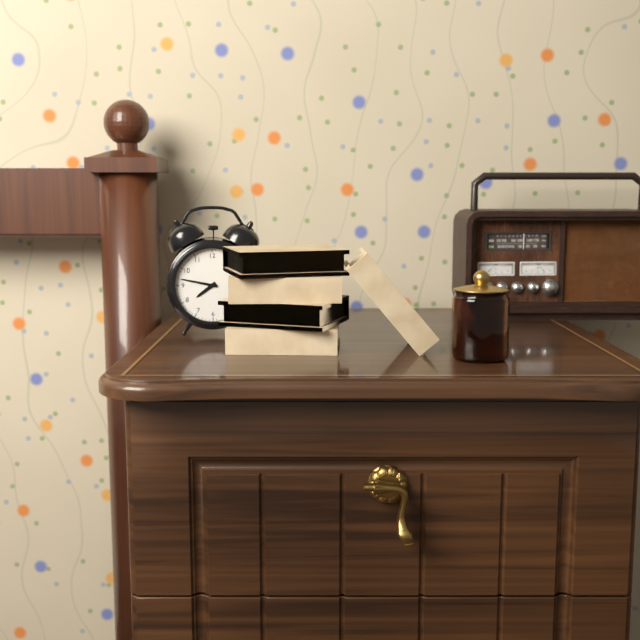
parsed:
7 h 47 min
